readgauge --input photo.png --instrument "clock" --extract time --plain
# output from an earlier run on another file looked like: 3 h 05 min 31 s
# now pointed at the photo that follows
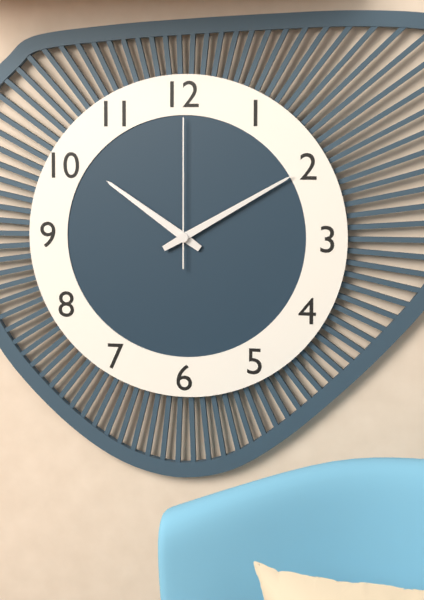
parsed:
10 h 10 min 00 s
